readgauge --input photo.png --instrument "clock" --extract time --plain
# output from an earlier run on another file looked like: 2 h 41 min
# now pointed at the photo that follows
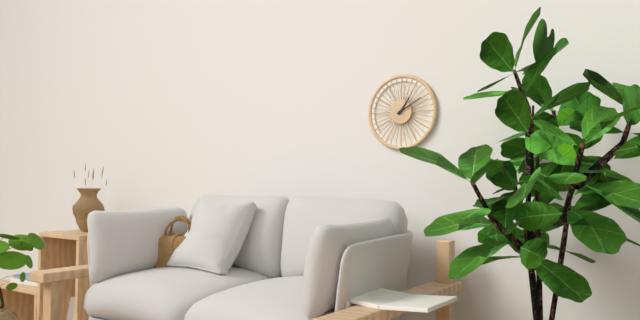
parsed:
1 h 10 min
